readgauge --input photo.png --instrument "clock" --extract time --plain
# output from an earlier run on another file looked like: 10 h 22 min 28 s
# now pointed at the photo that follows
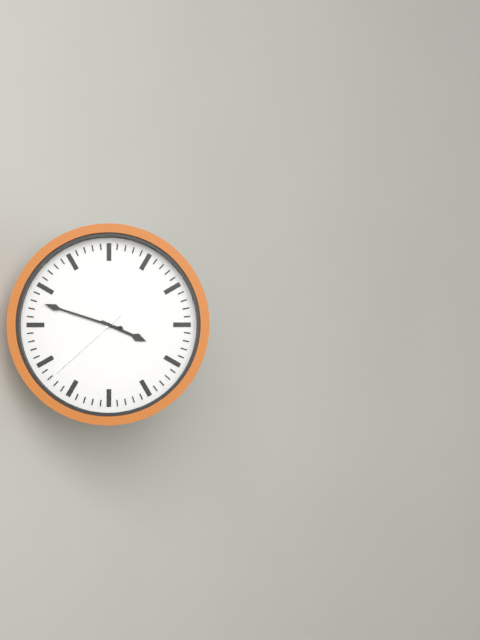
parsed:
3 h 48 min 38 s
